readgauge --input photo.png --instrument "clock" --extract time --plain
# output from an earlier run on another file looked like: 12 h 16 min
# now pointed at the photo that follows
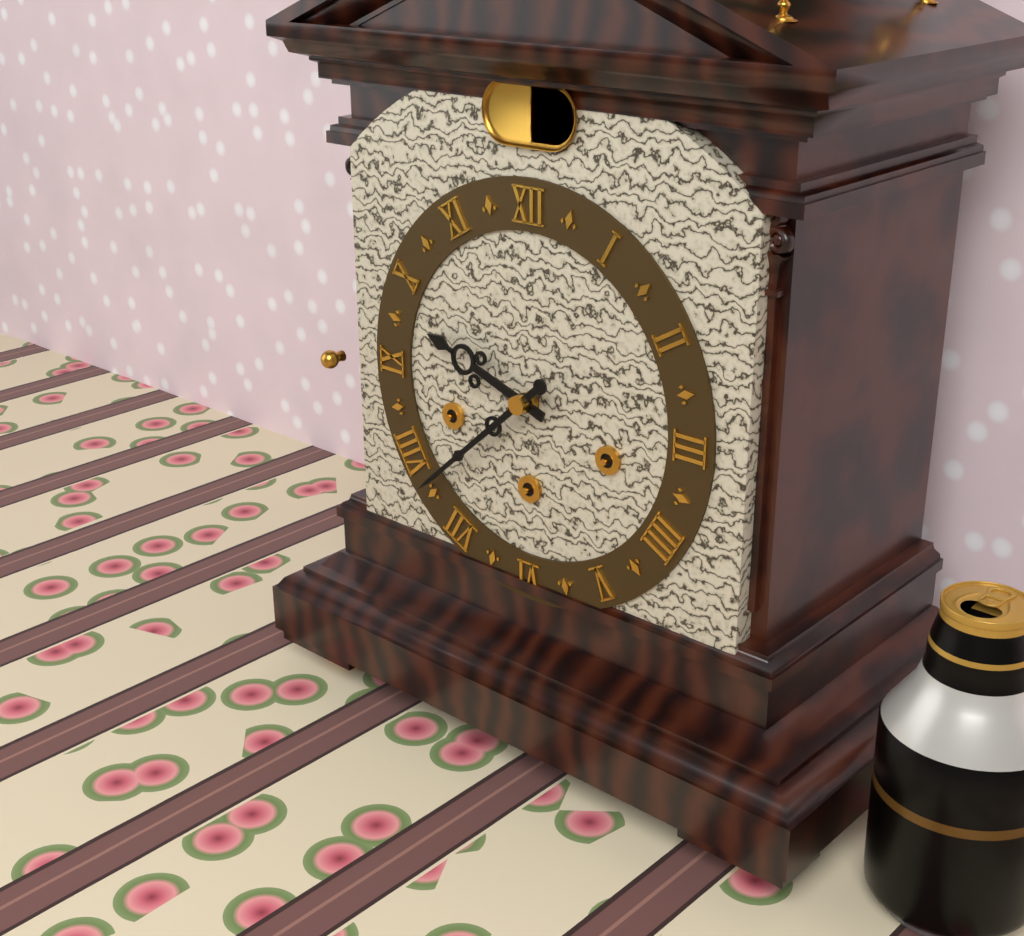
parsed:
9 h 38 min
